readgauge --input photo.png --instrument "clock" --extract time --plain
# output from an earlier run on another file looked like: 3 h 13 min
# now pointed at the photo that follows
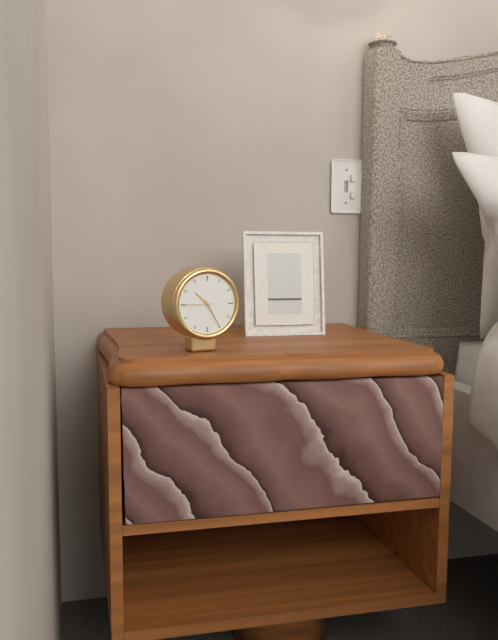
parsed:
10 h 25 min
